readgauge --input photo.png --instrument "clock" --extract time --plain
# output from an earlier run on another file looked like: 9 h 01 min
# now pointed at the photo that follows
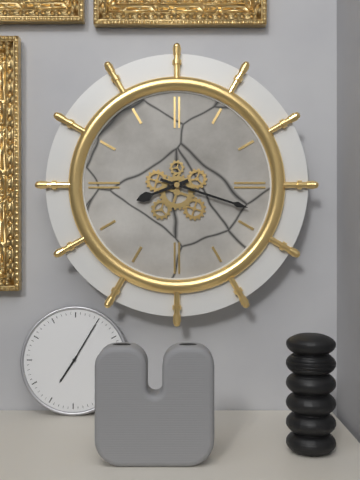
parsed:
8 h 18 min
